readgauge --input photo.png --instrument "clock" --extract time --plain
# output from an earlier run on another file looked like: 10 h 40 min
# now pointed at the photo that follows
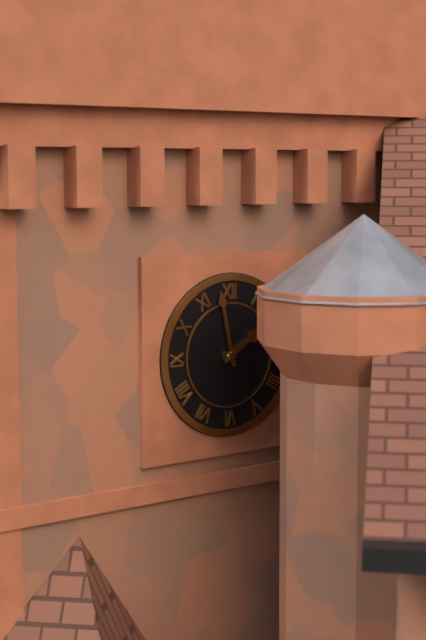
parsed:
1 h 58 min
